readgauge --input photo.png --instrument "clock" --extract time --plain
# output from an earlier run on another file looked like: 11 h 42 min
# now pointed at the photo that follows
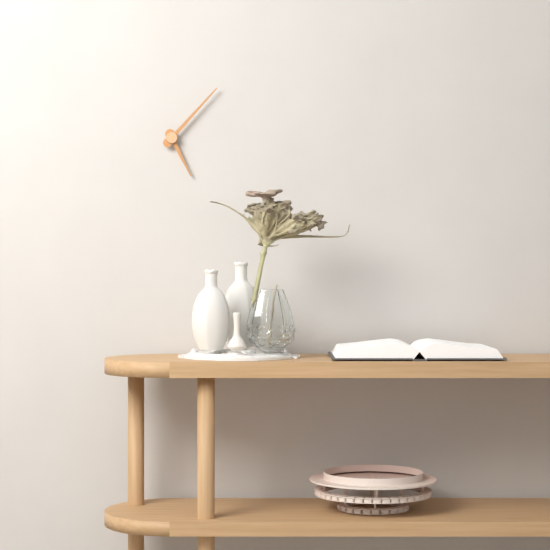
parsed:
5 h 07 min
